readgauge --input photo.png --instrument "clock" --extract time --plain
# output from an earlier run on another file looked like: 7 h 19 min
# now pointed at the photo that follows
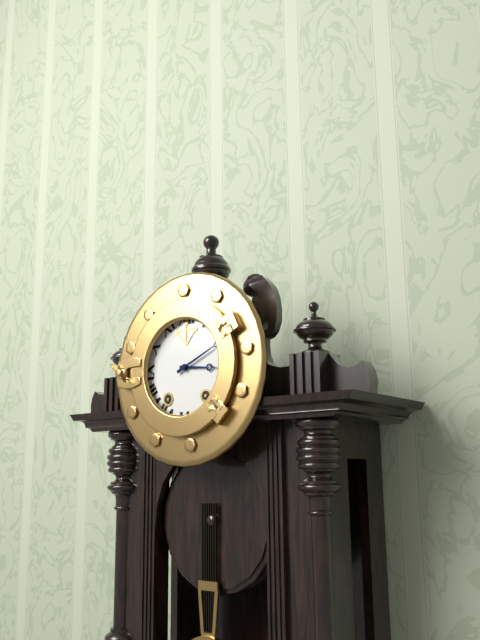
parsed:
3 h 11 min
